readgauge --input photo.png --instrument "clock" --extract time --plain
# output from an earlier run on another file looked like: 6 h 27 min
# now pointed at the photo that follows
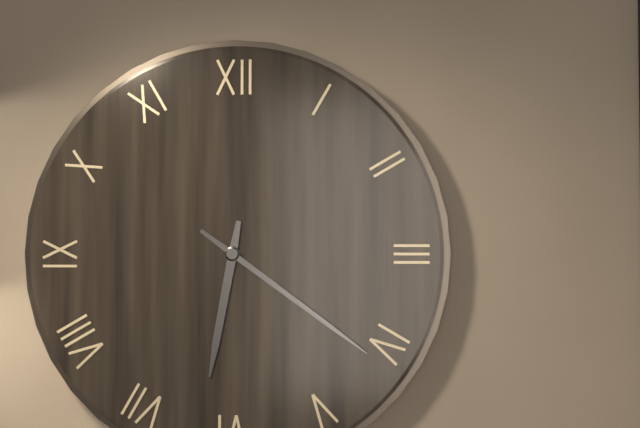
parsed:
6 h 21 min
